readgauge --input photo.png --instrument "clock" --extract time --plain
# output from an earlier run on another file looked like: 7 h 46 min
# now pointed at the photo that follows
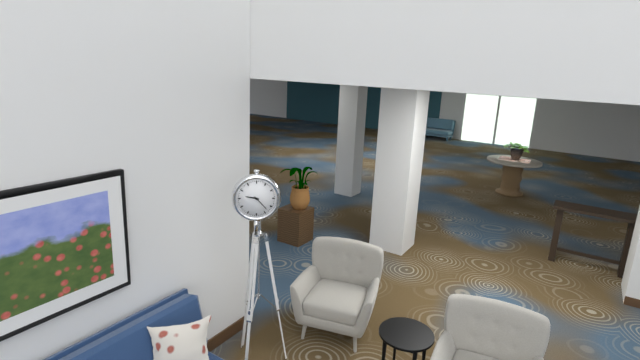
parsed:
9 h 23 min
